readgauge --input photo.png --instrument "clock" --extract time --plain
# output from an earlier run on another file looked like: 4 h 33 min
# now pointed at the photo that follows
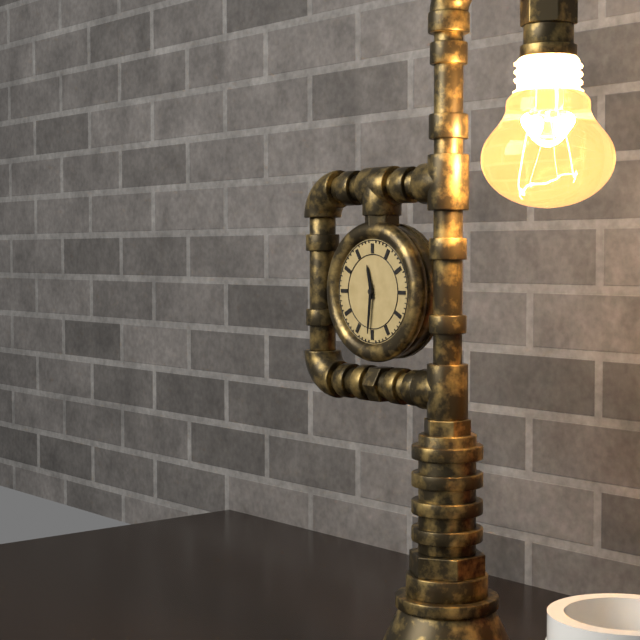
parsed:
11 h 31 min
